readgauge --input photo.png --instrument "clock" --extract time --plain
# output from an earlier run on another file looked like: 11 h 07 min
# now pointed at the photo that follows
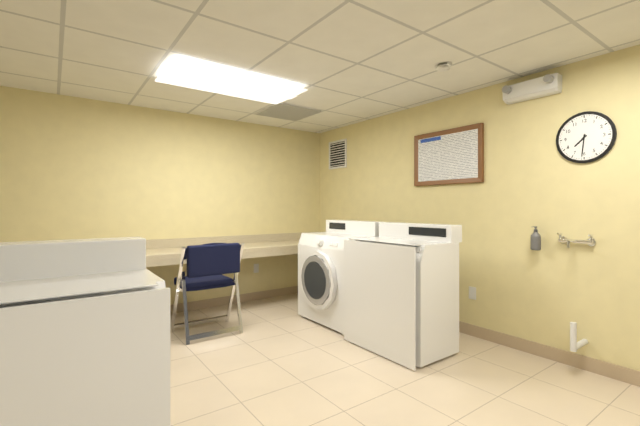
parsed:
7 h 31 min
